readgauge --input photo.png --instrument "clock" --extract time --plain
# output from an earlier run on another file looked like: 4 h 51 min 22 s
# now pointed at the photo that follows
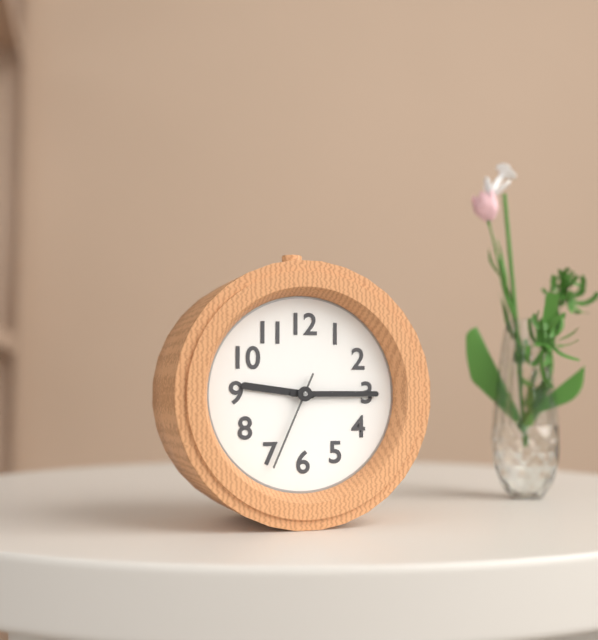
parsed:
9 h 15 min 34 s
